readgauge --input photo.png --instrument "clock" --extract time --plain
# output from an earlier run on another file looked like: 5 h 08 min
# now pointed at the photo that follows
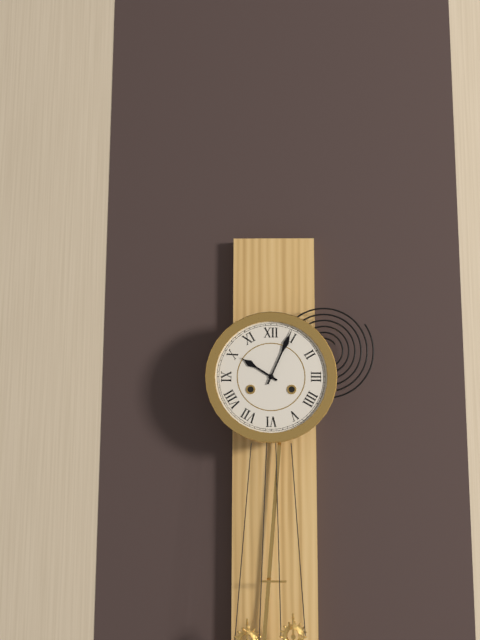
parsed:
10 h 04 min
